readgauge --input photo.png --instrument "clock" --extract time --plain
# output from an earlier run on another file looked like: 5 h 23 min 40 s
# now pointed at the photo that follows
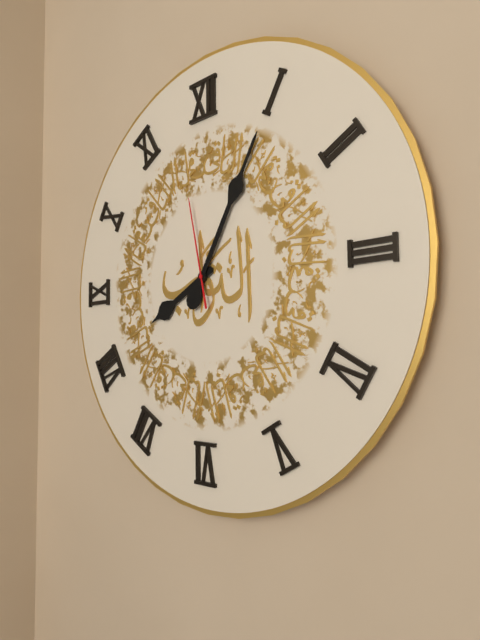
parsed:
8 h 05 min 58 s
